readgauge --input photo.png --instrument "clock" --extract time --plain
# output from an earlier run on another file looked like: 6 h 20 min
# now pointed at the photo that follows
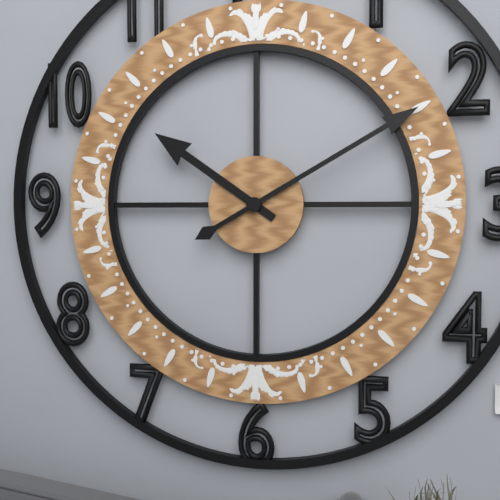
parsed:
10 h 10 min
